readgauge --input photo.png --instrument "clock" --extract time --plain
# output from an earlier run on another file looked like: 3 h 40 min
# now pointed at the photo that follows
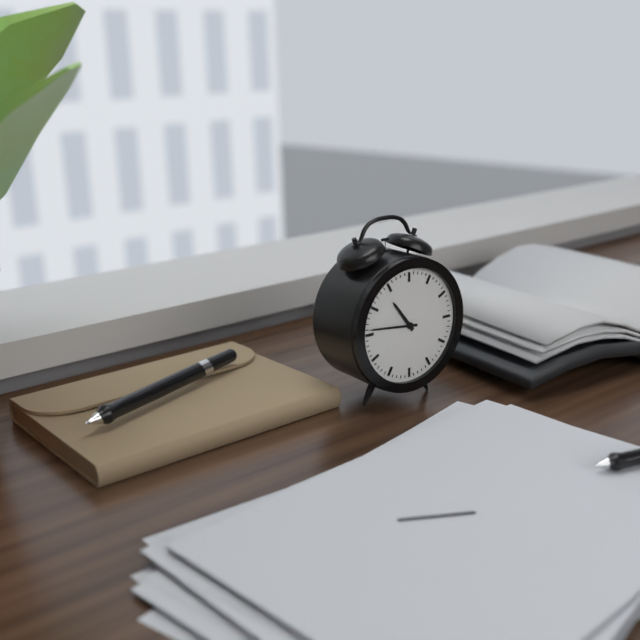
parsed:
10 h 46 min
